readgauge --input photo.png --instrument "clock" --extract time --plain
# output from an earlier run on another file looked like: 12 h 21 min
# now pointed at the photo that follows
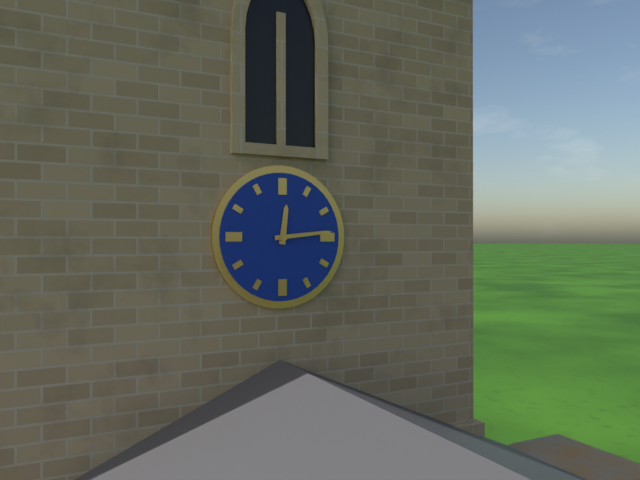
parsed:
12 h 14 min
